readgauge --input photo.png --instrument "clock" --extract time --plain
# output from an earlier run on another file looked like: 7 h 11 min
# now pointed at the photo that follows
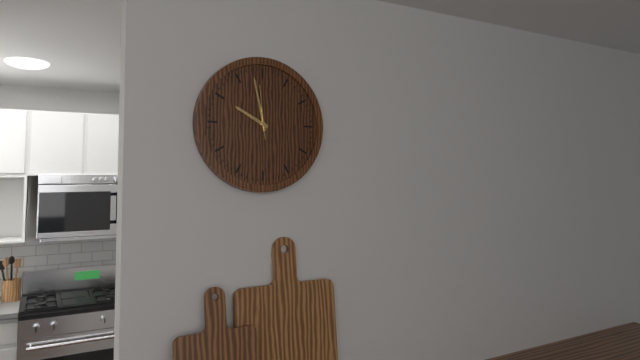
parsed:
9 h 58 min
